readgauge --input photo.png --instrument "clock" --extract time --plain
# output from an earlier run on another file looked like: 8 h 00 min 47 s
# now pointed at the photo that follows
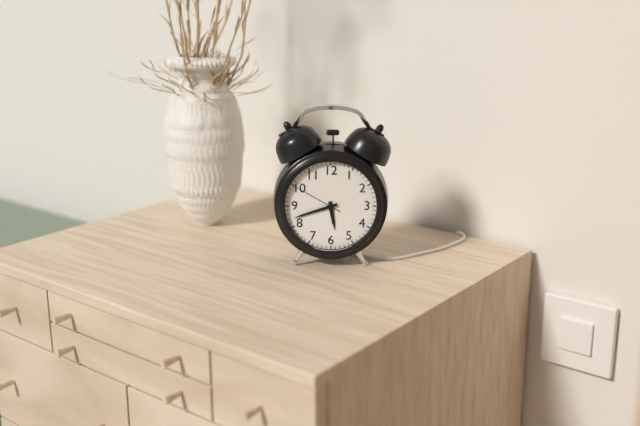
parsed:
5 h 42 min 50 s
